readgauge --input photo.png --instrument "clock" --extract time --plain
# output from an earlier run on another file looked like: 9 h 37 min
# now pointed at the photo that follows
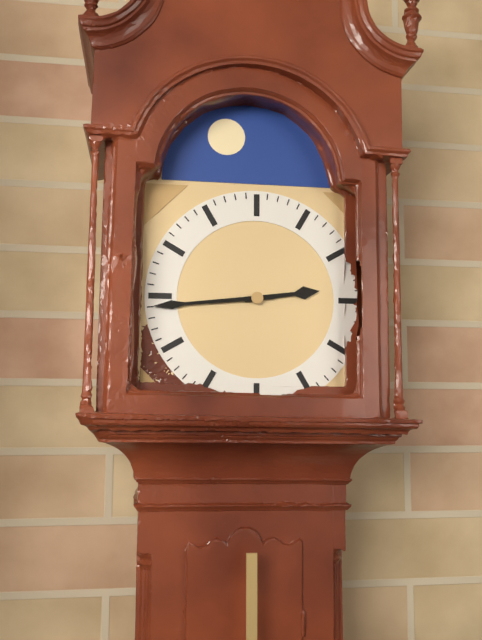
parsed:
2 h 44 min
